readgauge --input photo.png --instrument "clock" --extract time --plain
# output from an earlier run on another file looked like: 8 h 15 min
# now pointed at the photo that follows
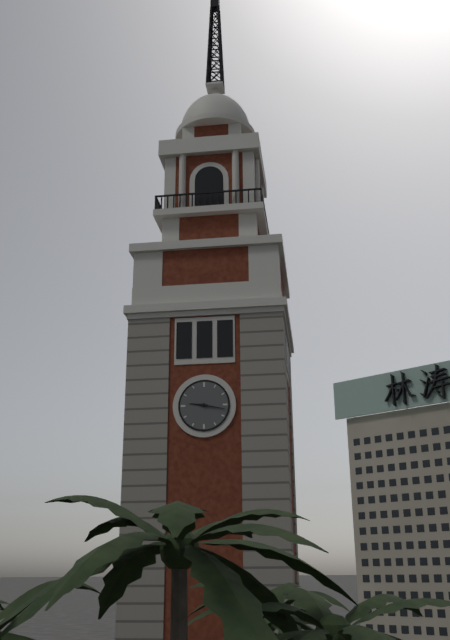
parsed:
9 h 17 min
